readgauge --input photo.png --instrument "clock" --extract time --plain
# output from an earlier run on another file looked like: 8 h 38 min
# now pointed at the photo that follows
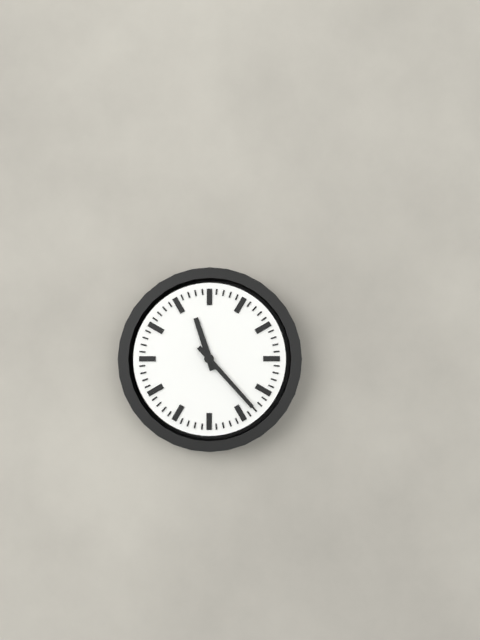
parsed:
11 h 23 min
